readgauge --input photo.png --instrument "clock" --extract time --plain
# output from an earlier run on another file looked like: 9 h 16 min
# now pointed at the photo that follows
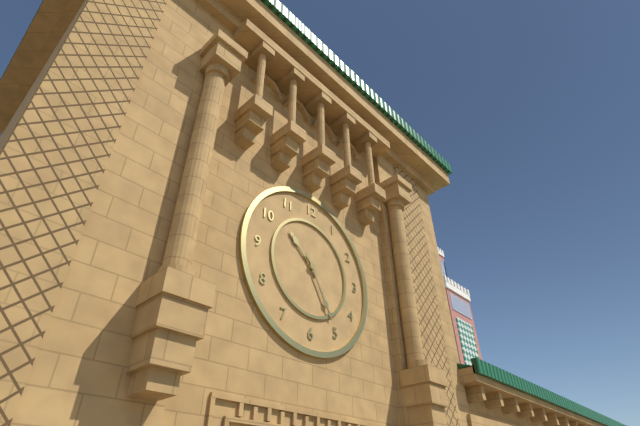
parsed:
10 h 25 min
